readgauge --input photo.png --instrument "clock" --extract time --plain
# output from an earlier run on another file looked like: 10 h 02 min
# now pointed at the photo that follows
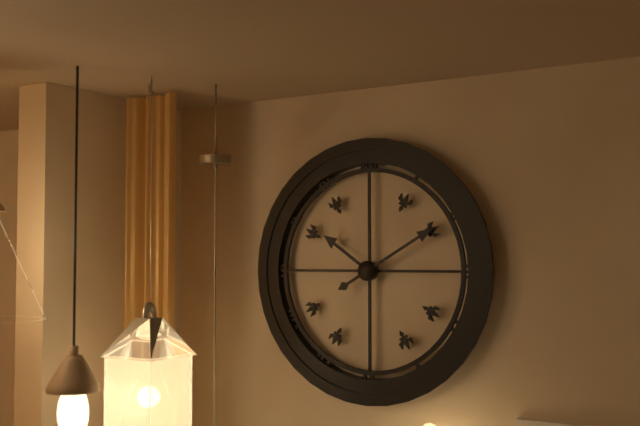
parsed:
10 h 10 min
